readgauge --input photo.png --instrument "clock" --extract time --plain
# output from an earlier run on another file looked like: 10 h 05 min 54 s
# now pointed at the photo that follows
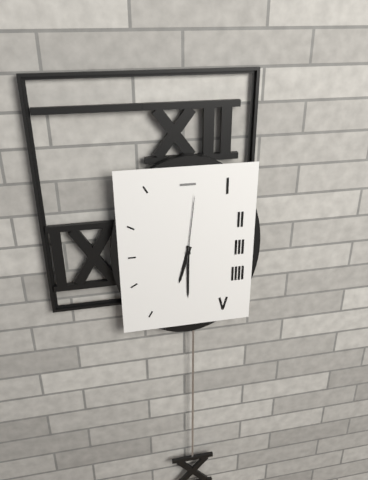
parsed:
6 h 30 min 01 s
